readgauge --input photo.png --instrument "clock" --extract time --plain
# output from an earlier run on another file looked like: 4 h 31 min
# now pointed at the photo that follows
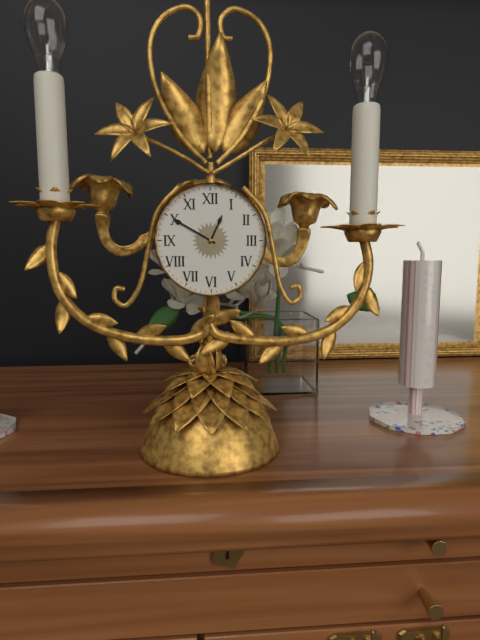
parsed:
12 h 50 min
